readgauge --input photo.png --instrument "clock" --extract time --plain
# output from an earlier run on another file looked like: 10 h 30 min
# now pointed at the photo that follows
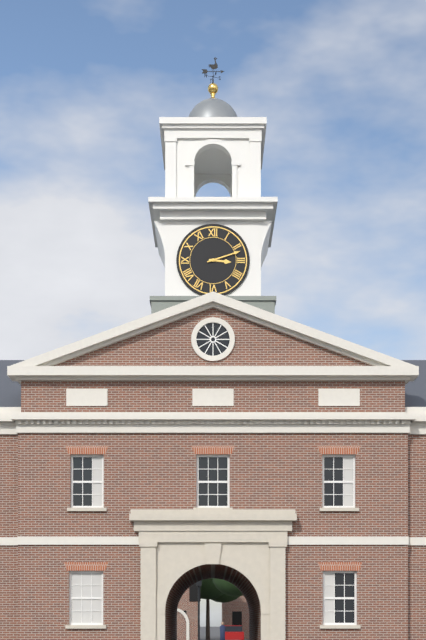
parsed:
3 h 12 min
